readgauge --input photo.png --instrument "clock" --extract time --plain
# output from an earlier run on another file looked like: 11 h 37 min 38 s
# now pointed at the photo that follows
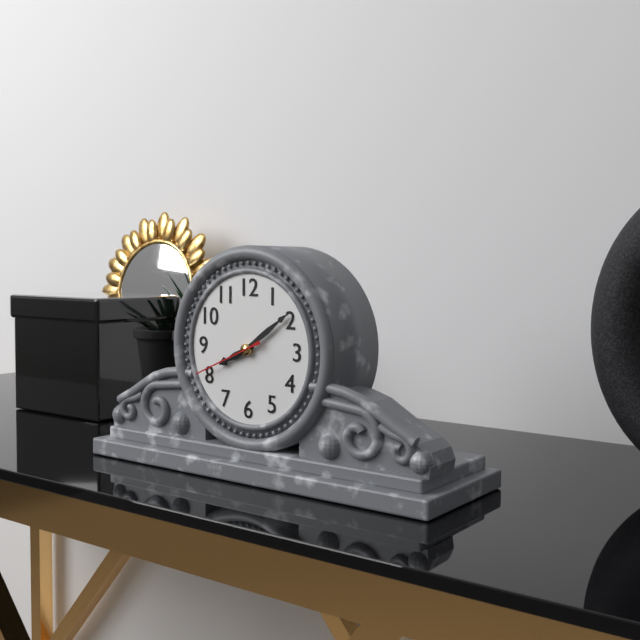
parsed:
8 h 09 min 41 s
